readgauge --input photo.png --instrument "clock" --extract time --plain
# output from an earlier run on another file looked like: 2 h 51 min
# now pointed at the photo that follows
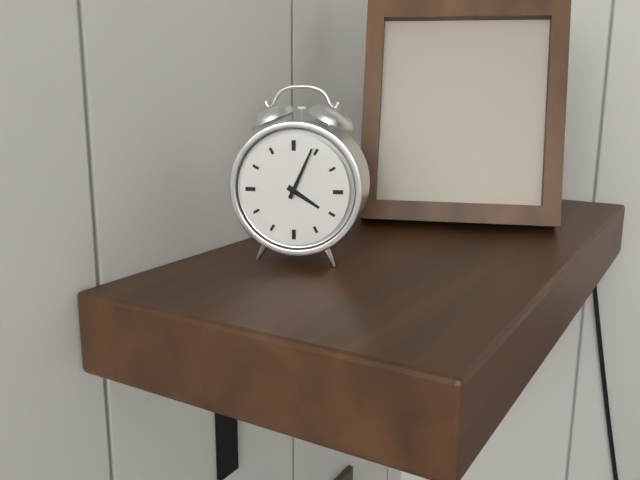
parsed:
4 h 04 min
